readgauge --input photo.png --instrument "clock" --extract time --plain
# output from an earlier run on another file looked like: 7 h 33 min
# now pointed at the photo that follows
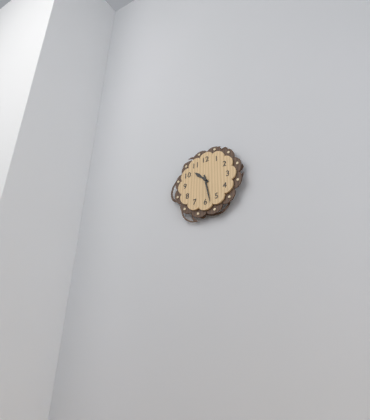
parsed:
10 h 28 min
